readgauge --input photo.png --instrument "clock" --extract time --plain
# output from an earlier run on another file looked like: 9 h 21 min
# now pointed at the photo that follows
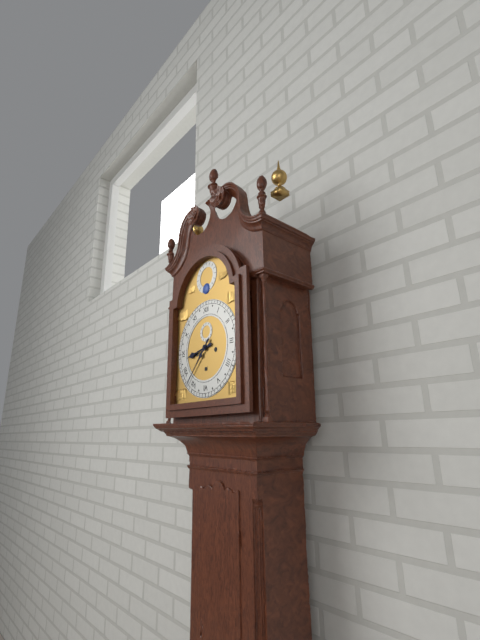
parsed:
8 h 37 min
